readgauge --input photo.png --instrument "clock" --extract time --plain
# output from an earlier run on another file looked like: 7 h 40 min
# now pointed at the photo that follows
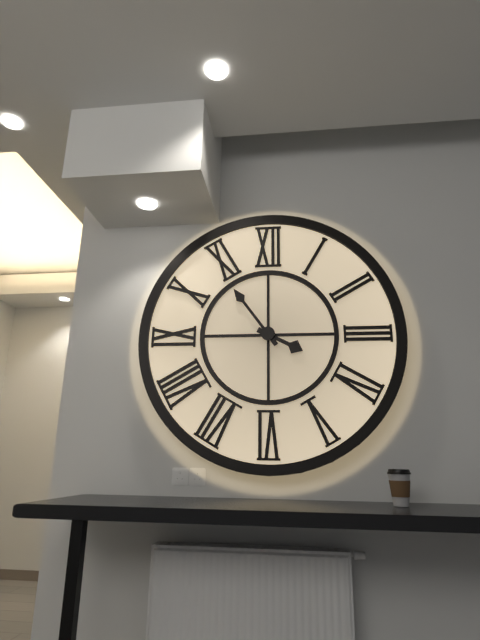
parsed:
3 h 54 min
